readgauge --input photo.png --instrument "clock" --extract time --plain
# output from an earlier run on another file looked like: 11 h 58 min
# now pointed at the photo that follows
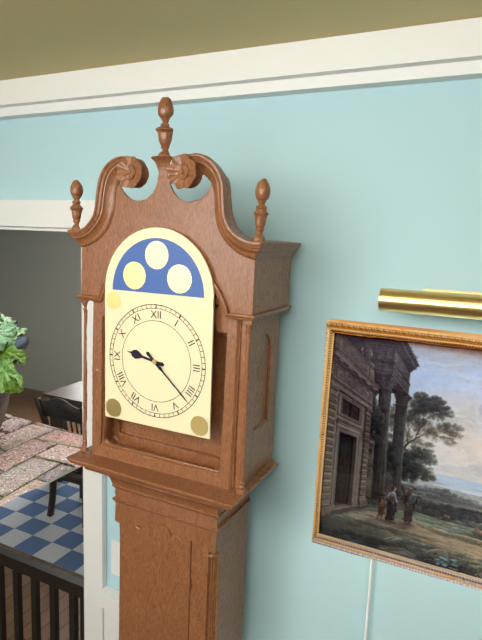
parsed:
9 h 22 min
